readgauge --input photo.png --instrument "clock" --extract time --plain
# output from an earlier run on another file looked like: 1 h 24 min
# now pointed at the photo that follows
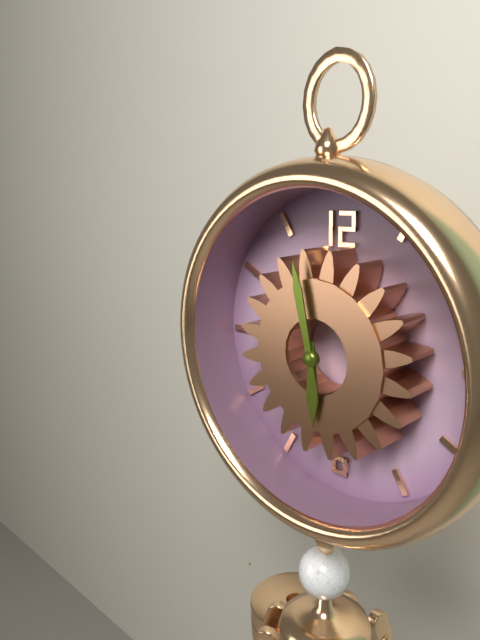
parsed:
5 h 58 min
